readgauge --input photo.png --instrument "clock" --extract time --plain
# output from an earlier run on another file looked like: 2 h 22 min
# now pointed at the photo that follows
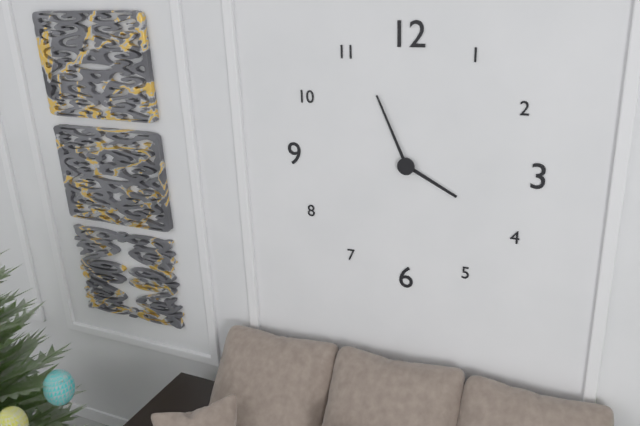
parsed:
3 h 56 min
